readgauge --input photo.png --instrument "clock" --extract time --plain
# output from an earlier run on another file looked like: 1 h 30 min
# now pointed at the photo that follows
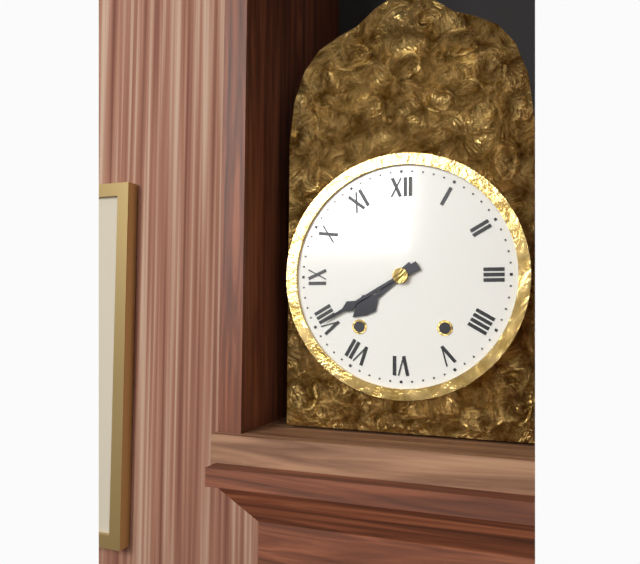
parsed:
7 h 40 min
